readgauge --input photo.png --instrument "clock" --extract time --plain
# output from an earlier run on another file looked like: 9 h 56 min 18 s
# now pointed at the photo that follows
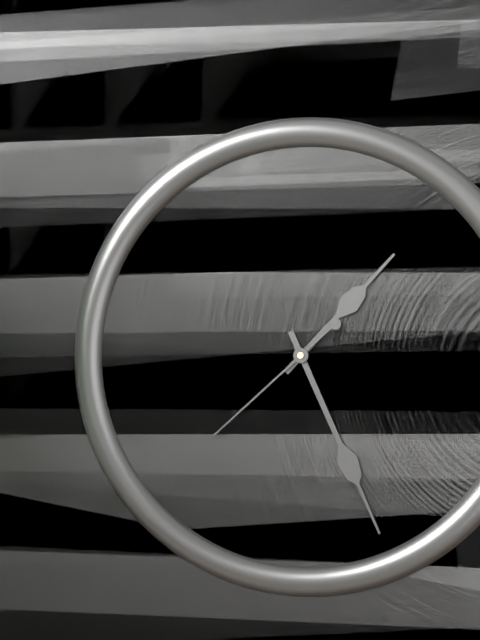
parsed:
1 h 26 min 38 s
